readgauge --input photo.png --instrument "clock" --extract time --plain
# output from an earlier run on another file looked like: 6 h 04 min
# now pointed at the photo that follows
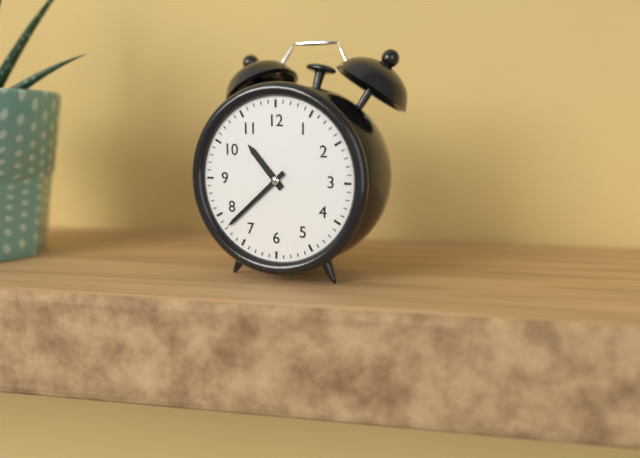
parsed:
10 h 38 min
